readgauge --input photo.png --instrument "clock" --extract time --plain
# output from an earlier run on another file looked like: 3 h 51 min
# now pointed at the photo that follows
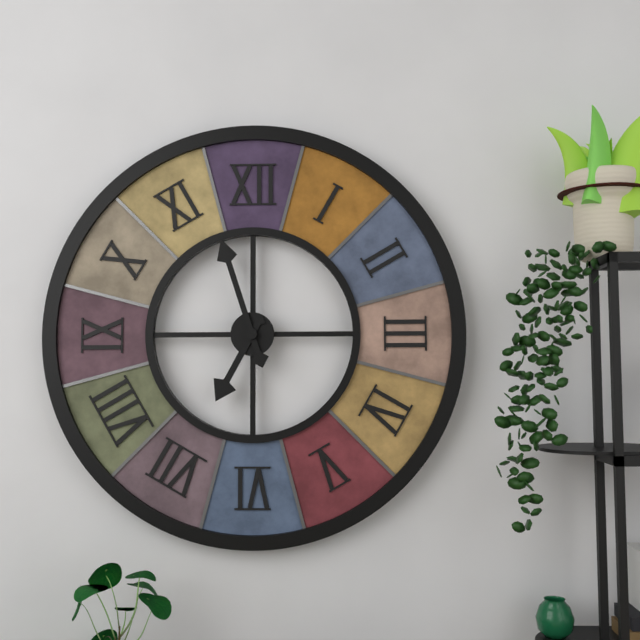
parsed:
6 h 57 min
